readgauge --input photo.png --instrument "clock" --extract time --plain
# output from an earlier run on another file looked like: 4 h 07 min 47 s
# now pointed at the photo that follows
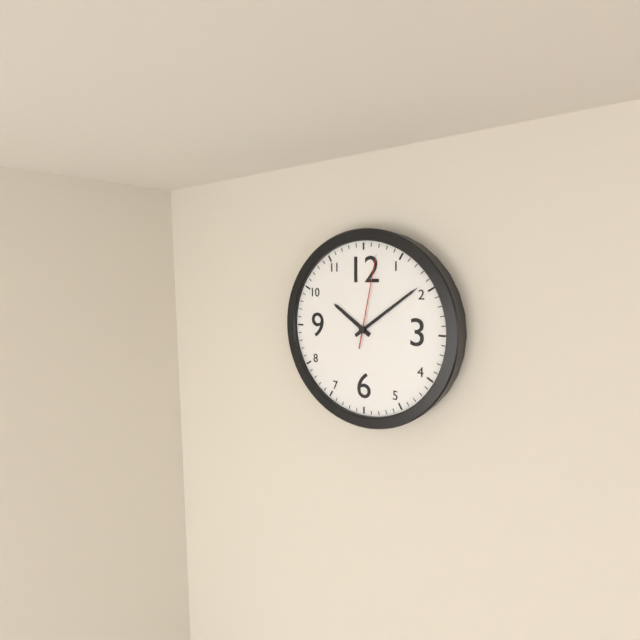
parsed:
10 h 09 min 02 s
